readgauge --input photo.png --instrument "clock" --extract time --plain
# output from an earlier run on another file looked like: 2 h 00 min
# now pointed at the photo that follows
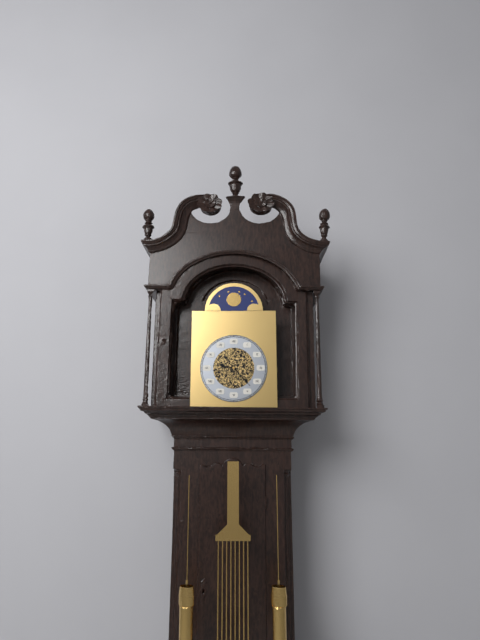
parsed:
9 h 23 min
